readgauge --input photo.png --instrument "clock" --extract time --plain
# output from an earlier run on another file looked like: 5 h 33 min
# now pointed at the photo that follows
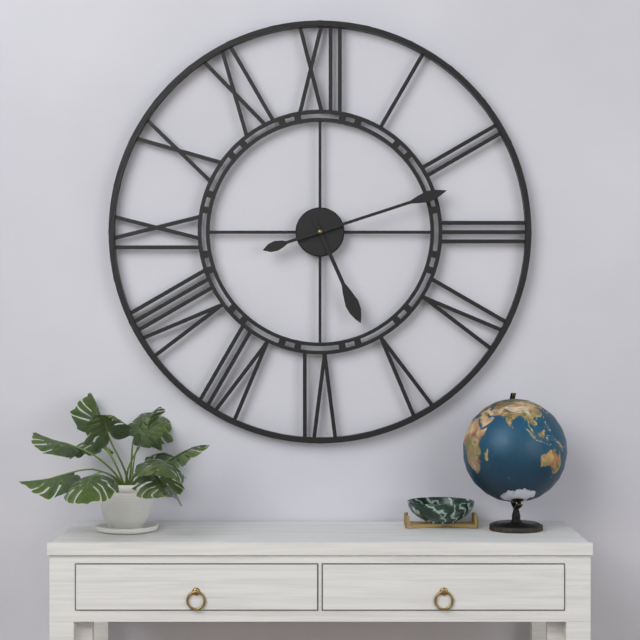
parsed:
5 h 12 min
